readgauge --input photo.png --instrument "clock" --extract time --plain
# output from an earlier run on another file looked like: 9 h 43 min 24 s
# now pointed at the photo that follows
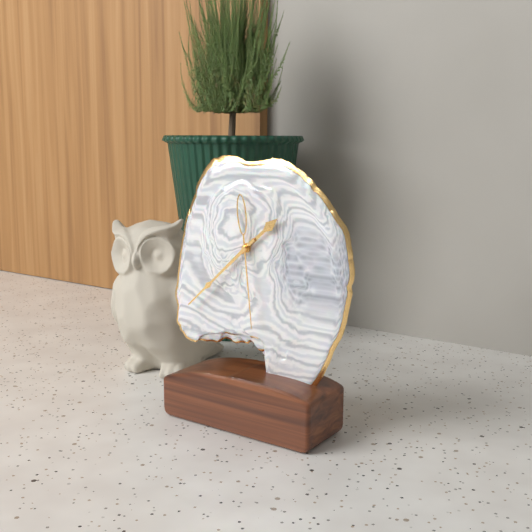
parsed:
1 h 38 min 29 s
